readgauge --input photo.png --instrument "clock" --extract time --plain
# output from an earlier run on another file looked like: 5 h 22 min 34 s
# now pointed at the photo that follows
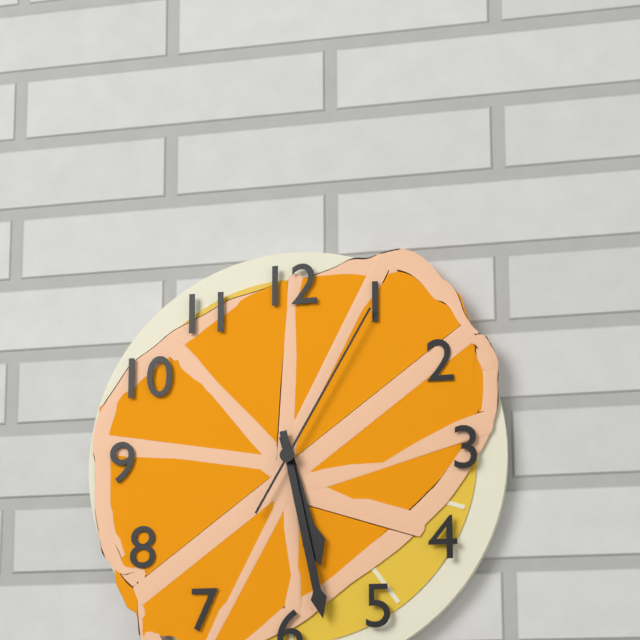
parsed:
5 h 28 min 05 s
